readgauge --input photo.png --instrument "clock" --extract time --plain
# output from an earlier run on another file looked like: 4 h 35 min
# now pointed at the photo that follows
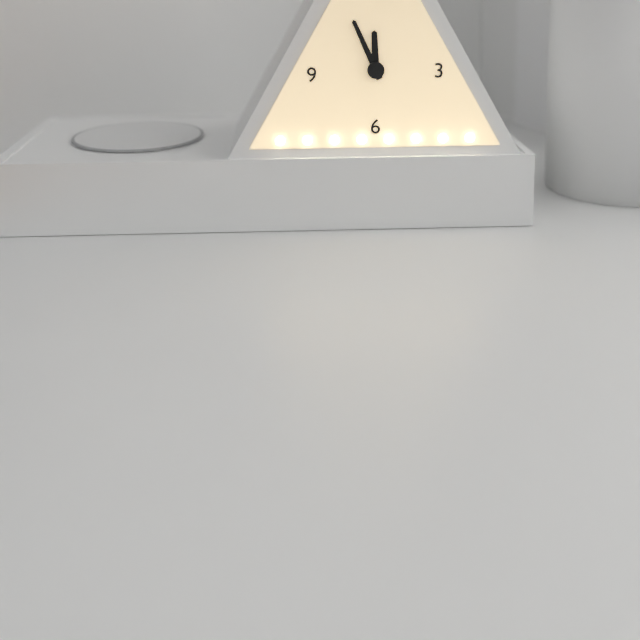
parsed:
11 h 56 min
